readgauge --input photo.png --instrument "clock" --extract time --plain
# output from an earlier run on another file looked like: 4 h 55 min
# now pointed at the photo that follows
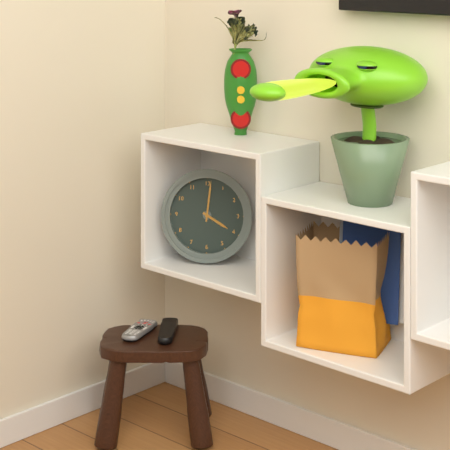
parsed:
4 h 01 min
